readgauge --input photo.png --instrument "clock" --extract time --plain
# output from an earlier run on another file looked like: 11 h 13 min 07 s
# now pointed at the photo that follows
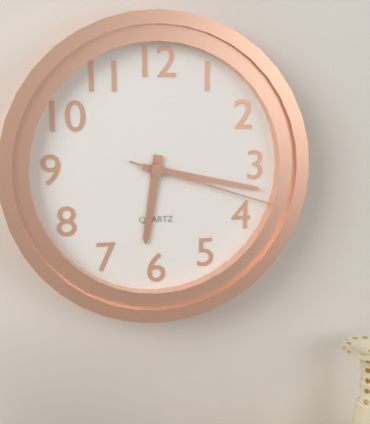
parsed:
6 h 17 min 18 s
